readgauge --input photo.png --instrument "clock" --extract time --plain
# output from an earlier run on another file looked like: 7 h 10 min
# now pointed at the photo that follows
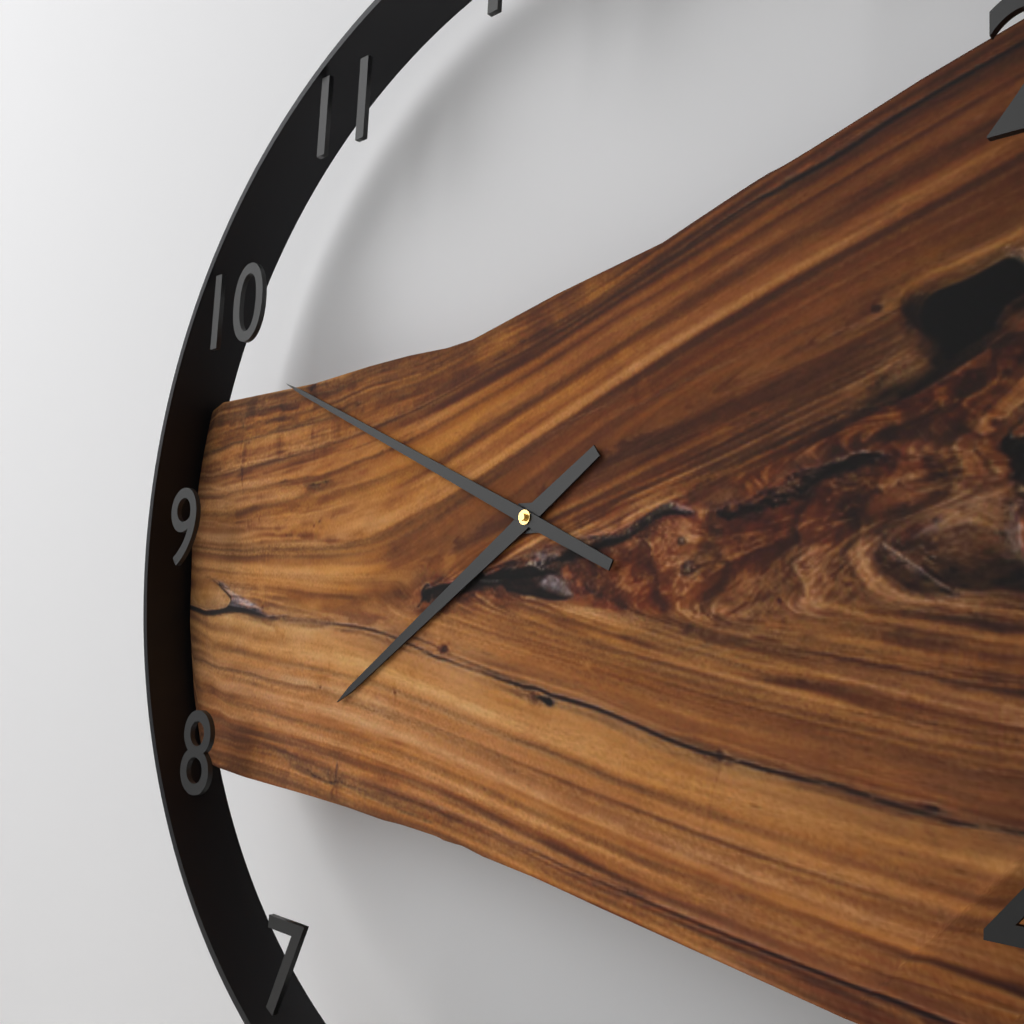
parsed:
7 h 49 min
